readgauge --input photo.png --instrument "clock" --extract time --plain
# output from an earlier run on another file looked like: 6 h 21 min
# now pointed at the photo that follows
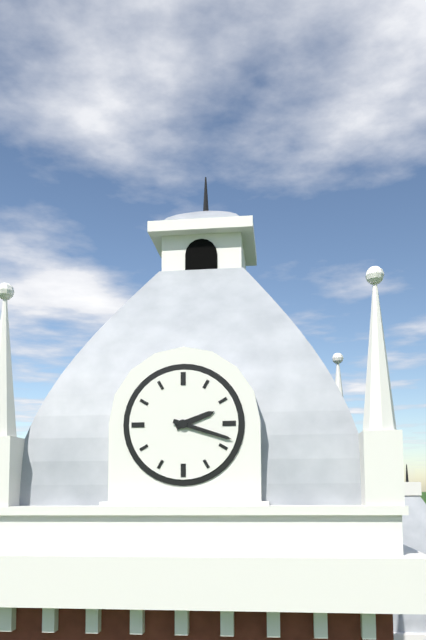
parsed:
2 h 18 min
